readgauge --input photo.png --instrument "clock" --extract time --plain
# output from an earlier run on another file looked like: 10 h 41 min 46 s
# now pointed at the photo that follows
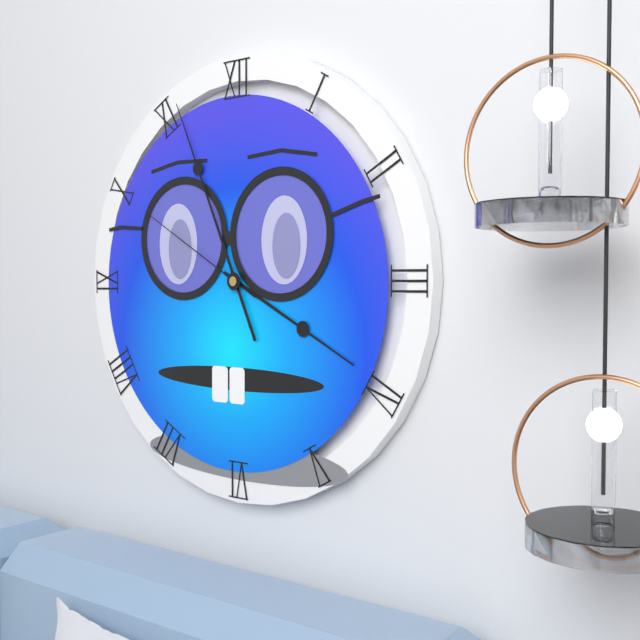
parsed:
3 h 56 min 50 s
